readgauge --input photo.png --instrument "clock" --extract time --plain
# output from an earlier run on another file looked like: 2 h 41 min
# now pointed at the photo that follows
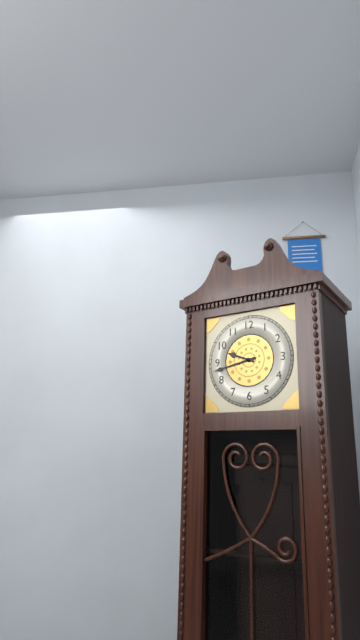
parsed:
9 h 43 min
